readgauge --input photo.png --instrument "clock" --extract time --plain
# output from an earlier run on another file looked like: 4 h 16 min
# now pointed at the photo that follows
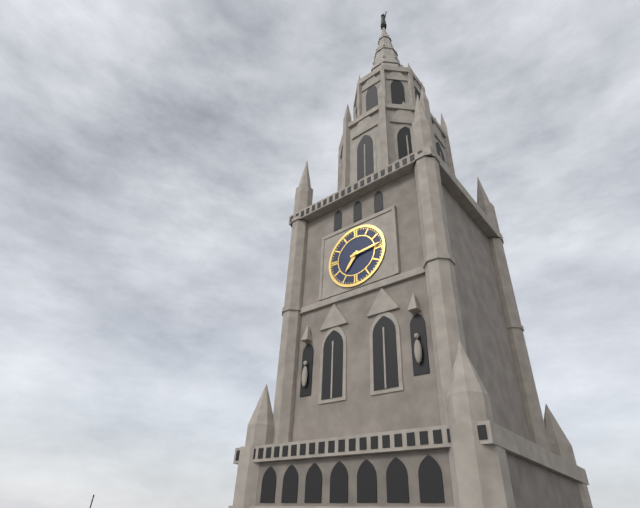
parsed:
7 h 14 min
